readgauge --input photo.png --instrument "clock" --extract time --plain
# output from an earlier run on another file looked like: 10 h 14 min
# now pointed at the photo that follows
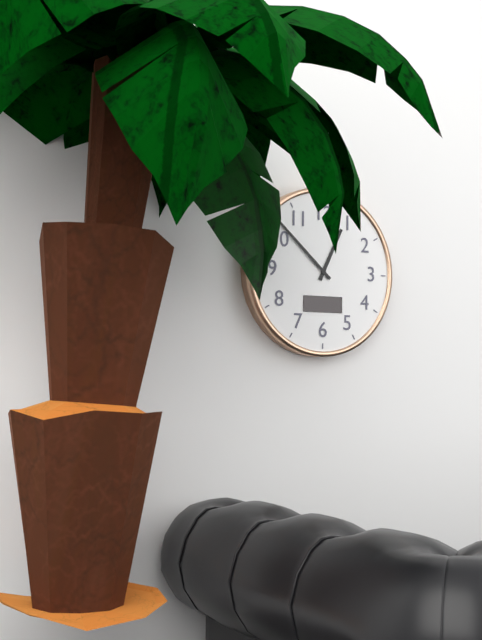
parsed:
12 h 52 min
